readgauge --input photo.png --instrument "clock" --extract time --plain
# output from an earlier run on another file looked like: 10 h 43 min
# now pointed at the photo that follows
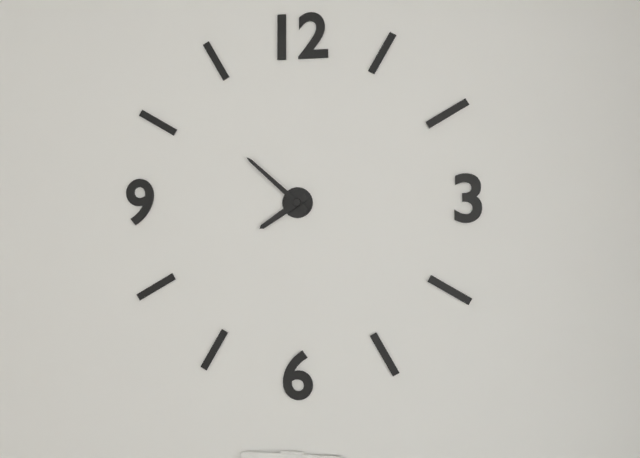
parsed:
7 h 52 min
